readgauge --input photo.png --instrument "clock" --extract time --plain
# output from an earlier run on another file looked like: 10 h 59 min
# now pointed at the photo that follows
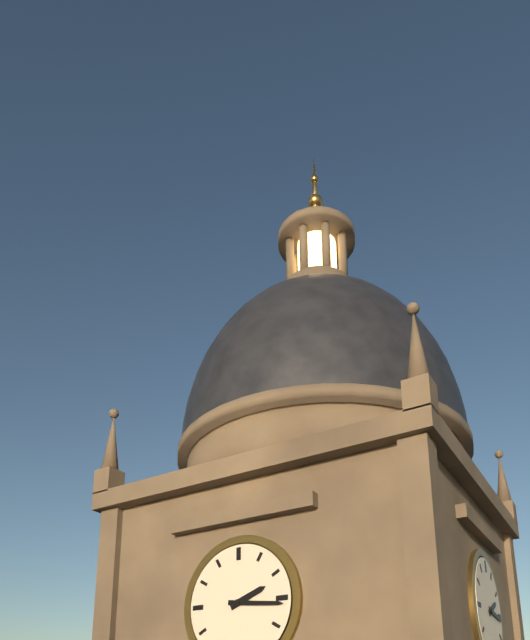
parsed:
2 h 16 min
